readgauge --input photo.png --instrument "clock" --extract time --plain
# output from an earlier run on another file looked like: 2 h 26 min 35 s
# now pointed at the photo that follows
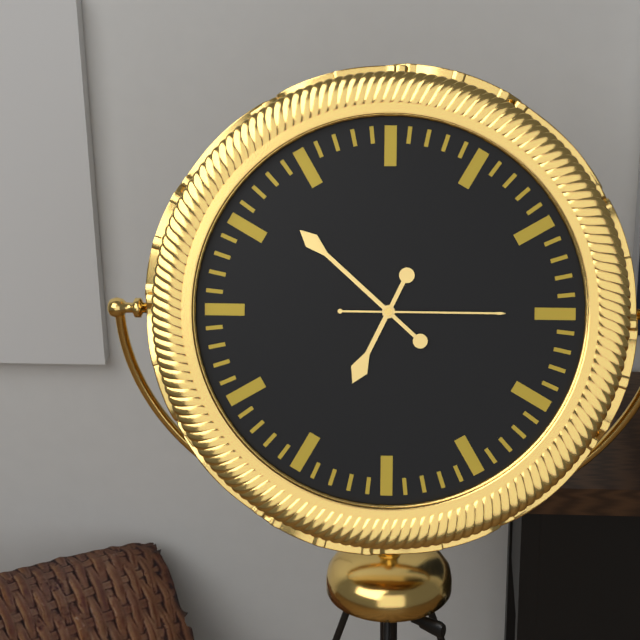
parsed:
6 h 52 min 15 s
